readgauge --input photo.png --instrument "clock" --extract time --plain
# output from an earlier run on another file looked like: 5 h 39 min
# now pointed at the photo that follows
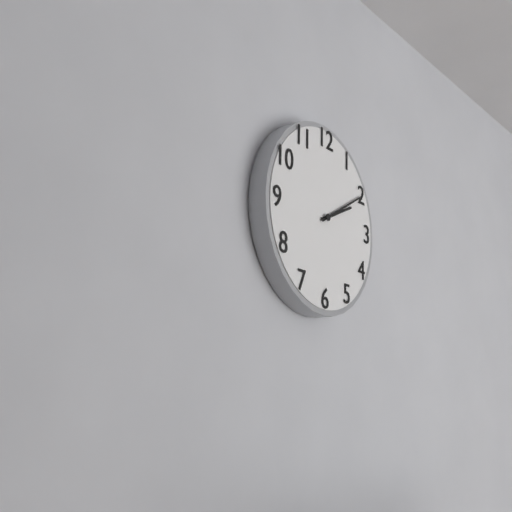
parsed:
2 h 10 min
